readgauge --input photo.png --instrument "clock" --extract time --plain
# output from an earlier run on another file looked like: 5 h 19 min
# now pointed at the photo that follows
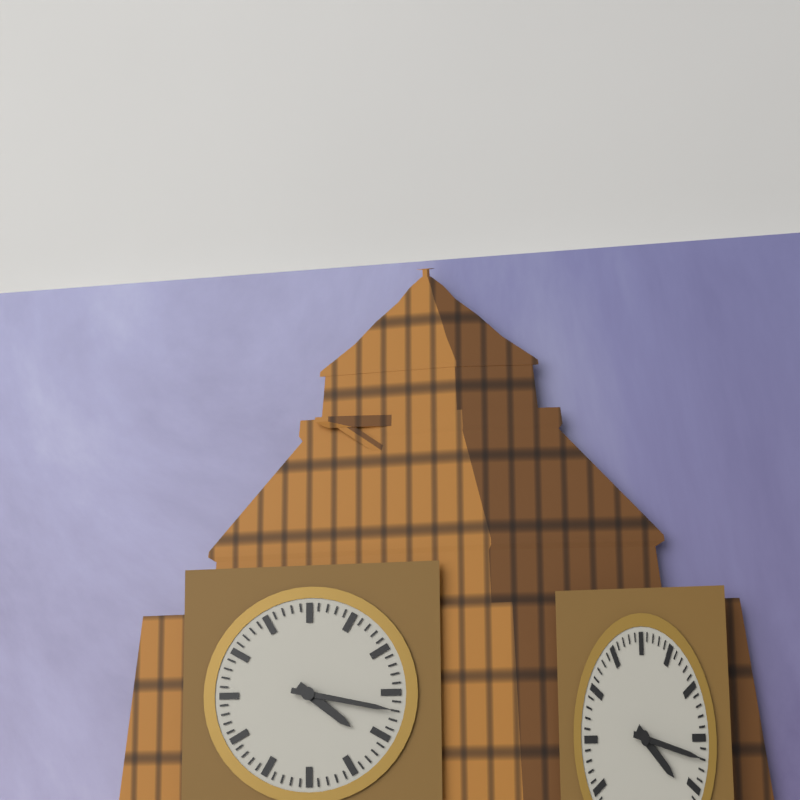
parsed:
4 h 17 min
